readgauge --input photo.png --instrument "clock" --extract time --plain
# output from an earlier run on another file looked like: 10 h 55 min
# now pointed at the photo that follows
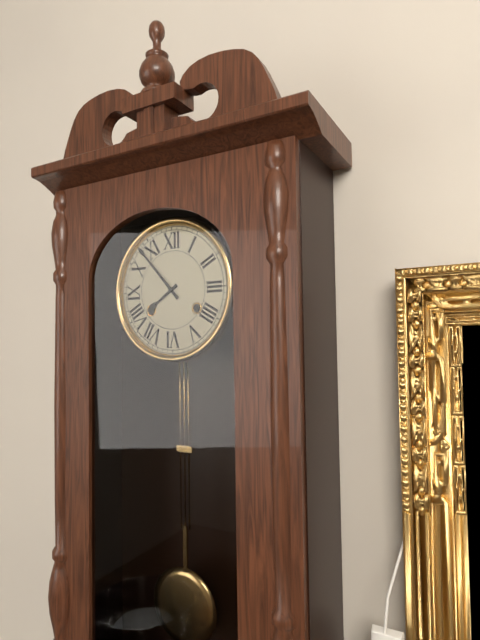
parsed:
7 h 53 min
